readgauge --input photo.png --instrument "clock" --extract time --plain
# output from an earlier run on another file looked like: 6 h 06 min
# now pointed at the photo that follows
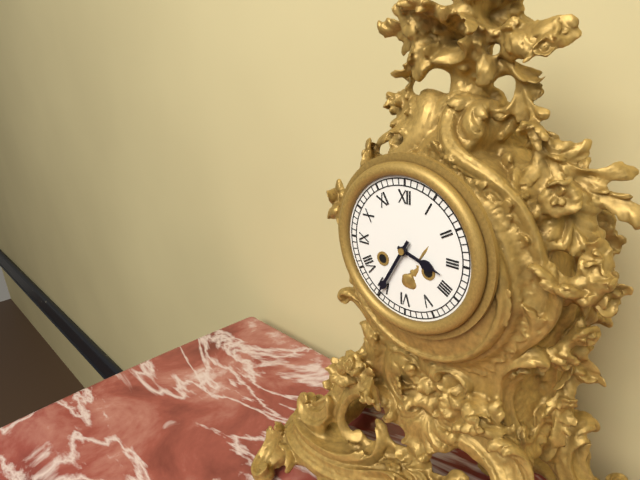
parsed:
3 h 35 min
